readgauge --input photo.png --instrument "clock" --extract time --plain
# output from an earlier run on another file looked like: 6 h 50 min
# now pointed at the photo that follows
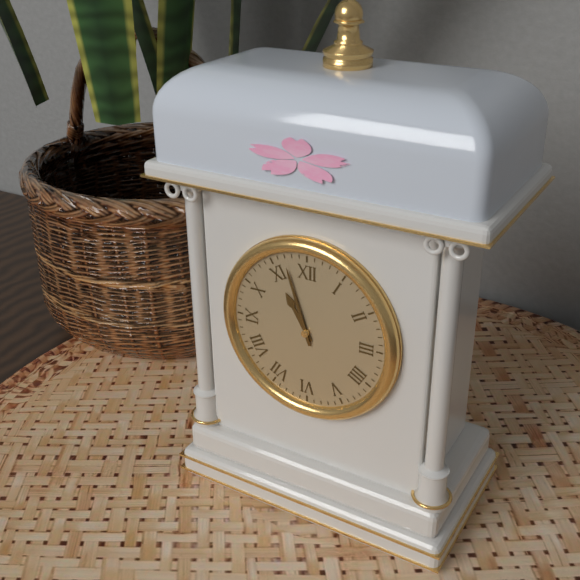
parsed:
10 h 57 min
